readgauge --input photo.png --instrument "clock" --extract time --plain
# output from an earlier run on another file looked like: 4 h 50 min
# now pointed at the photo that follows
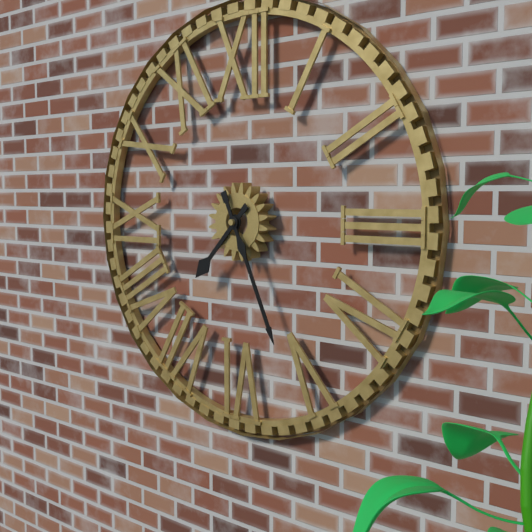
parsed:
7 h 26 min
